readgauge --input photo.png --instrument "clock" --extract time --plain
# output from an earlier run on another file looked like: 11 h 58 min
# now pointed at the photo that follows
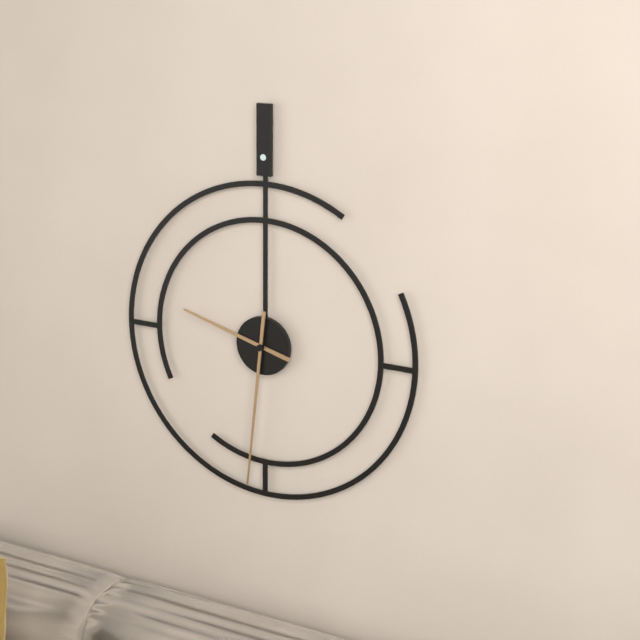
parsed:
9 h 31 min
